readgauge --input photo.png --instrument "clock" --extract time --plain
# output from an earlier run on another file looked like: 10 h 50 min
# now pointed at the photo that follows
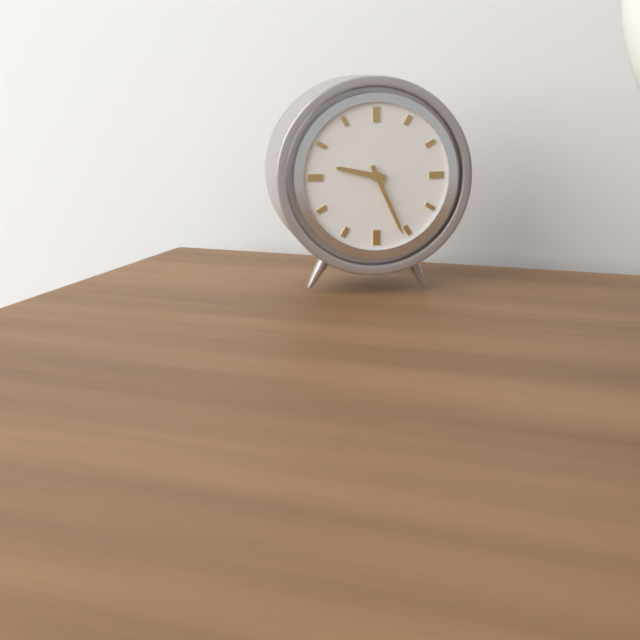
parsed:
9 h 26 min
